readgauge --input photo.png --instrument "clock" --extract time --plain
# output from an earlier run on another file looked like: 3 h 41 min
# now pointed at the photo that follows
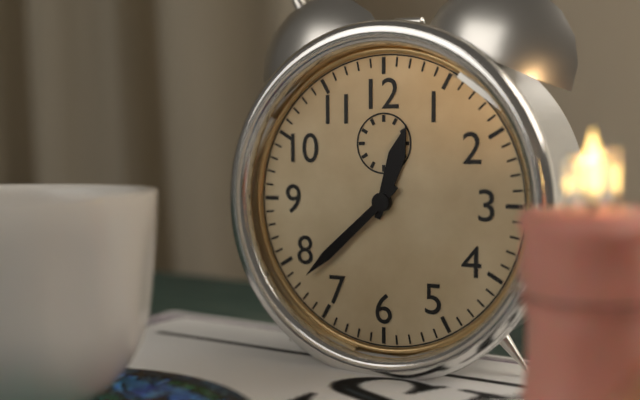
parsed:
12 h 38 min
